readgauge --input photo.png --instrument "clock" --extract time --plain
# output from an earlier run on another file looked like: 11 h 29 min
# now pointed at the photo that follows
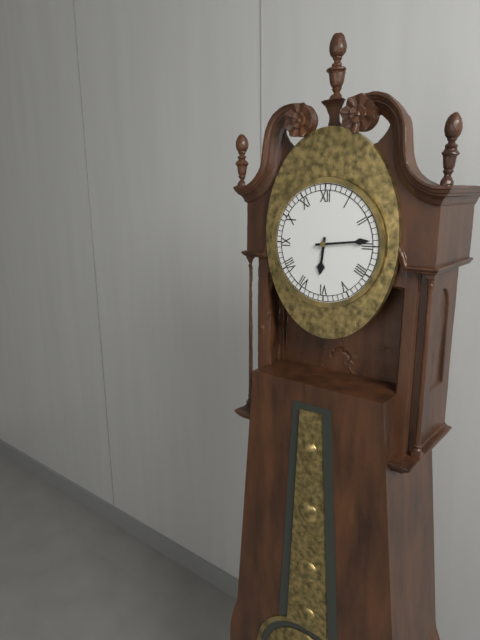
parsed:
6 h 14 min
